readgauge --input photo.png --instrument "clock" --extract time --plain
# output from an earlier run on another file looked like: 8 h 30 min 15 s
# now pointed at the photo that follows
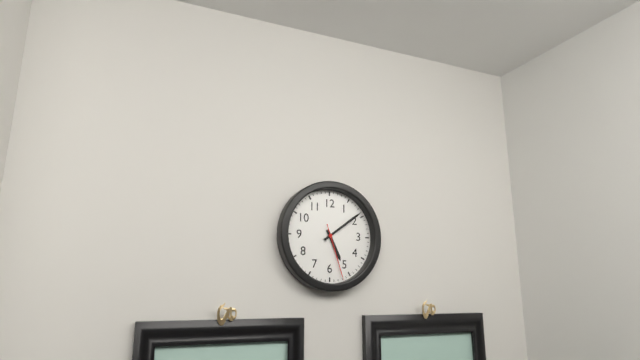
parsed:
5 h 09 min 27 s
